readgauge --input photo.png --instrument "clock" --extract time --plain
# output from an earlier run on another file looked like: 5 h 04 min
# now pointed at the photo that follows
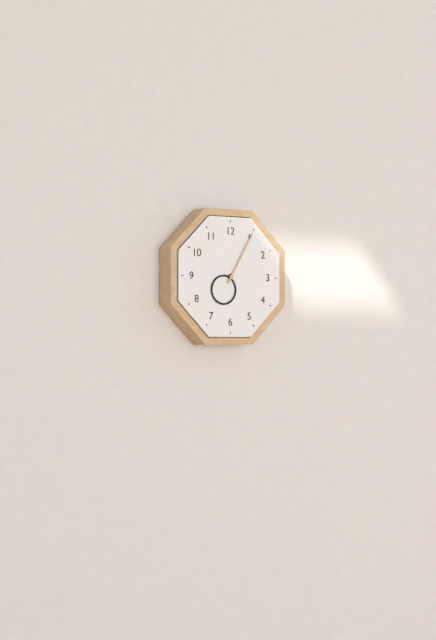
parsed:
7 h 05 min
